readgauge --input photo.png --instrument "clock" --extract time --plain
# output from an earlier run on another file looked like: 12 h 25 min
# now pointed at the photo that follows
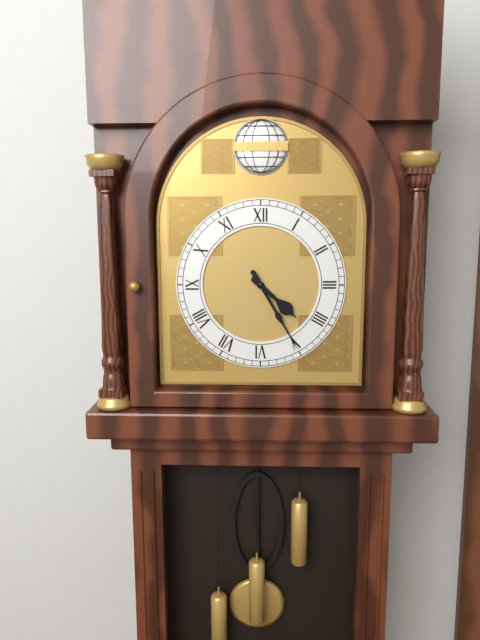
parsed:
4 h 25 min
